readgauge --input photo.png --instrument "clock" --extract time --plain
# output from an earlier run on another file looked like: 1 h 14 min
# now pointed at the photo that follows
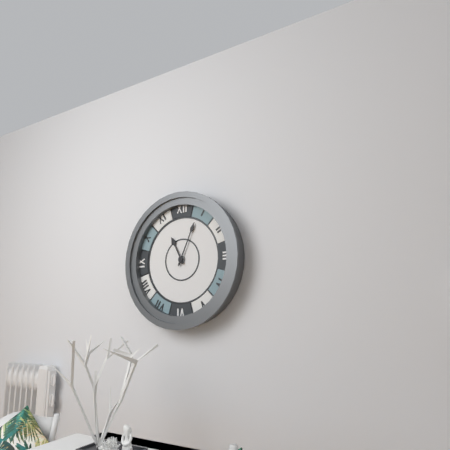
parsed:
11 h 04 min
